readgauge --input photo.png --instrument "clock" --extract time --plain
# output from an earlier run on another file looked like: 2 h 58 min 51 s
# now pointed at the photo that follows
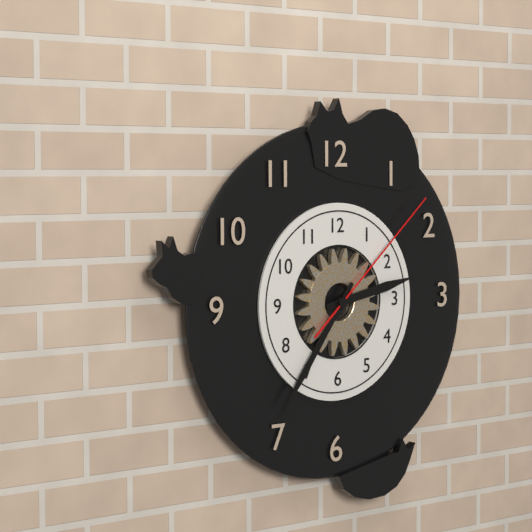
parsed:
2 h 36 min 08 s
